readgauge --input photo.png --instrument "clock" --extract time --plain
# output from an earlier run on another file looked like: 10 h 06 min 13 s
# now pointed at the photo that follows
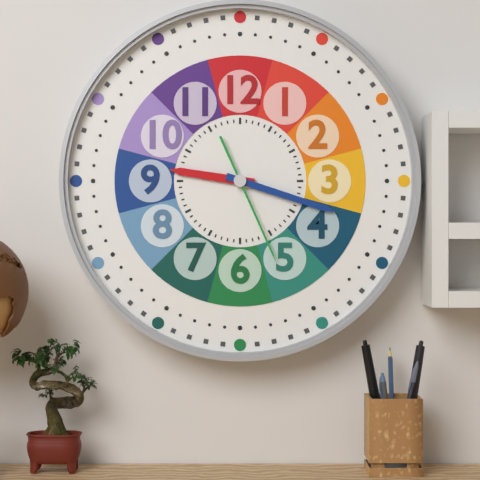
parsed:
9 h 18 min 26 s
